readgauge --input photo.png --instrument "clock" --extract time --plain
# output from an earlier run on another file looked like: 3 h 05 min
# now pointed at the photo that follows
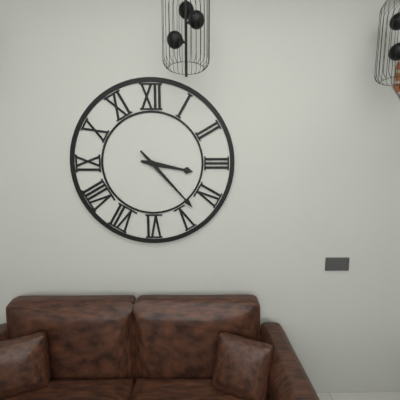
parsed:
3 h 23 min
